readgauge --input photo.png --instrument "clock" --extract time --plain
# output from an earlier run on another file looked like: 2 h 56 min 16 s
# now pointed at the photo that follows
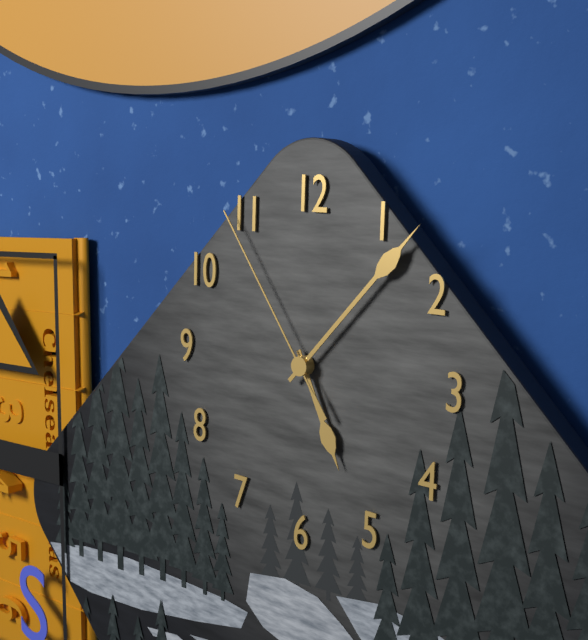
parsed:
5 h 07 min 54 s
